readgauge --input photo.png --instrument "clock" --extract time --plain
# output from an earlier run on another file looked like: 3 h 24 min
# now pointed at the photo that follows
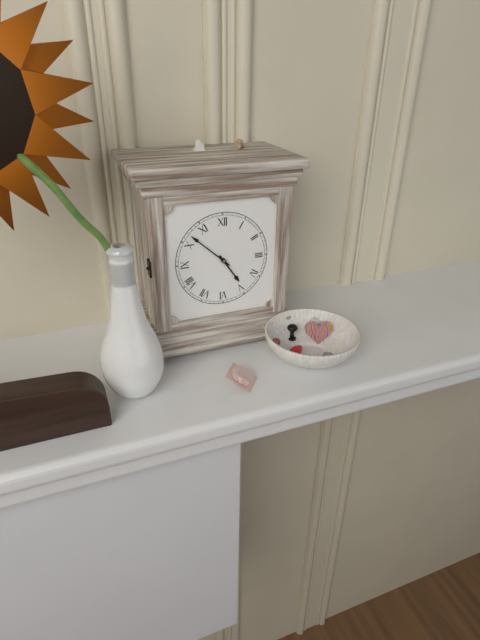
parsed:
4 h 52 min
